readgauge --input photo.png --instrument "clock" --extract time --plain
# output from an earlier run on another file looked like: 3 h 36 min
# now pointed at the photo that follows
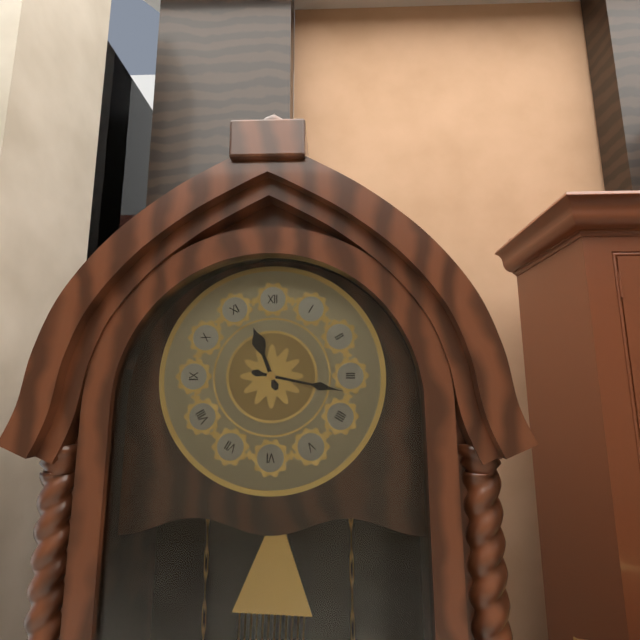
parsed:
11 h 17 min
